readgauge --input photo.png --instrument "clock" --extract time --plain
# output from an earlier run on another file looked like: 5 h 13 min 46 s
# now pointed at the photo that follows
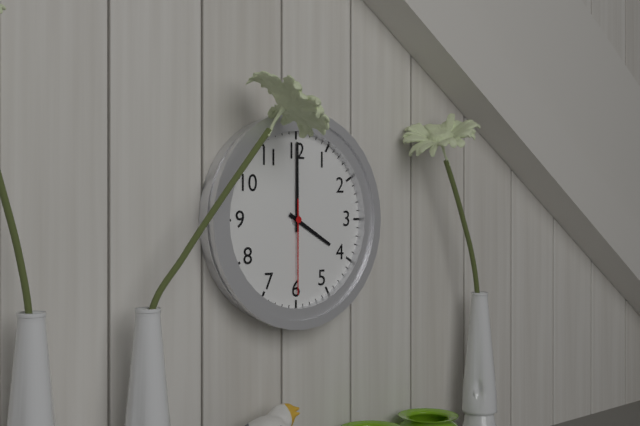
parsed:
4 h 00 min 30 s
